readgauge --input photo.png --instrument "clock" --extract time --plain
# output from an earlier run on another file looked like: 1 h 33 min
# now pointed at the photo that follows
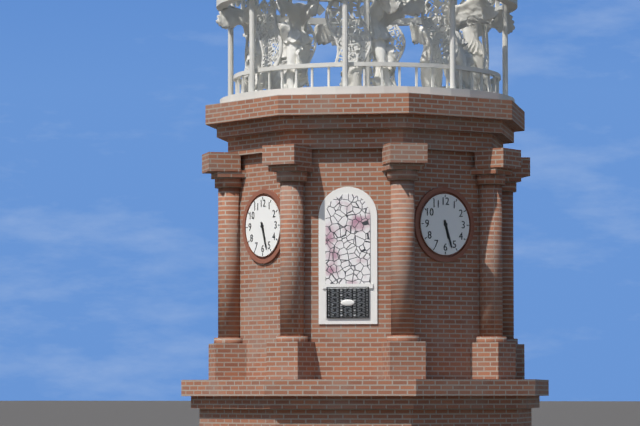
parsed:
5 h 27 min
